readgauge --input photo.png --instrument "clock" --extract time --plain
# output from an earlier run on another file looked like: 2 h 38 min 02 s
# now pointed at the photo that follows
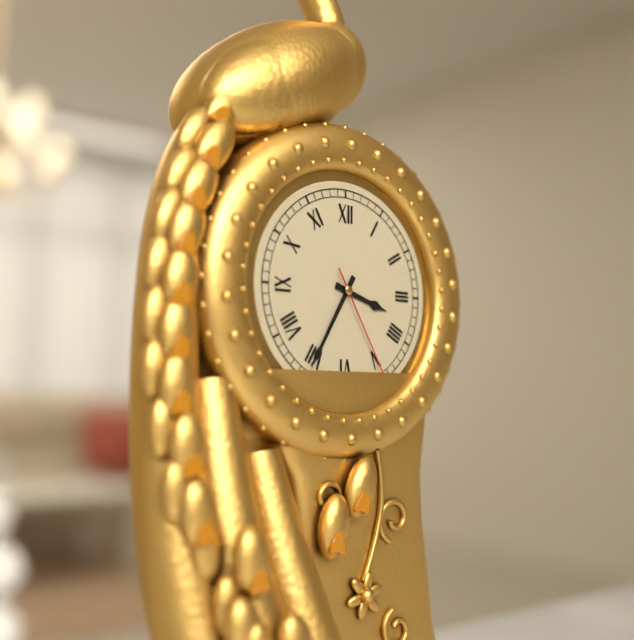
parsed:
3 h 35 min 25 s
